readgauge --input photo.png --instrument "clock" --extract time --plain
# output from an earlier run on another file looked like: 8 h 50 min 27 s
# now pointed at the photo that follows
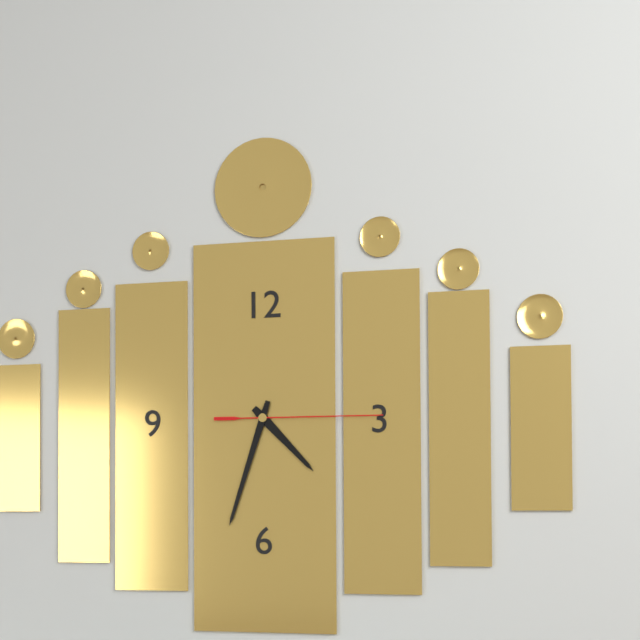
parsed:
4 h 33 min 15 s
